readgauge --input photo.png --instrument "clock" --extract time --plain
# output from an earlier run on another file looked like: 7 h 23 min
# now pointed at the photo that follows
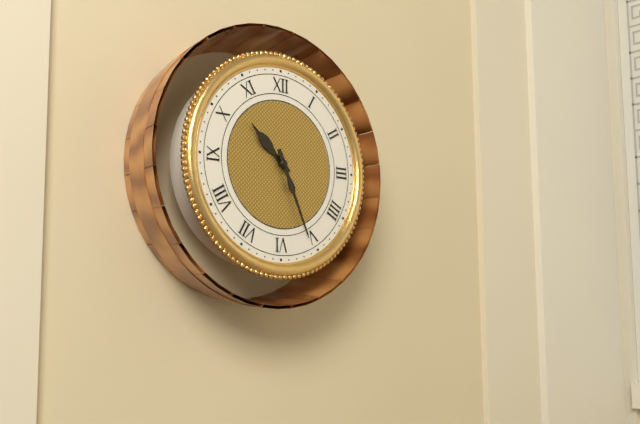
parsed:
10 h 26 min
